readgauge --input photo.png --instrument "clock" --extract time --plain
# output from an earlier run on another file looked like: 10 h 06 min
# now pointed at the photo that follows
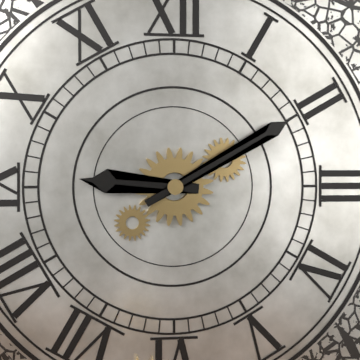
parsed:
9 h 10 min
